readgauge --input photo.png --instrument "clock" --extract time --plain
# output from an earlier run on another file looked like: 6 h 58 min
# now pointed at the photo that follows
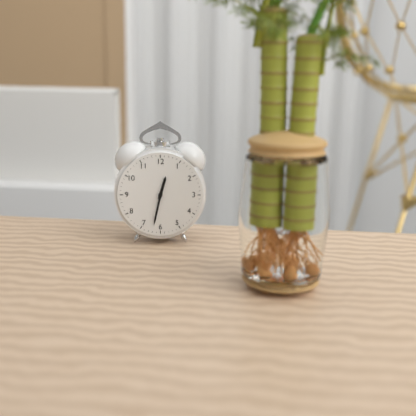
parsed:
12 h 32 min
